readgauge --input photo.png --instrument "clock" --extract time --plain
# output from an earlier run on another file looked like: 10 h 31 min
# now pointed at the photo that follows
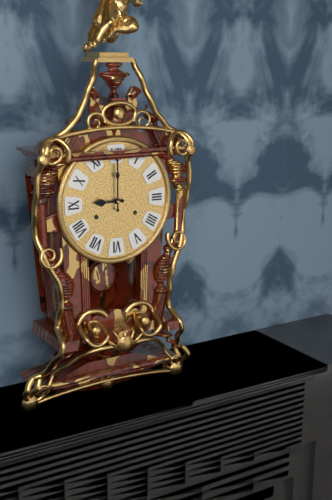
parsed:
9 h 00 min
